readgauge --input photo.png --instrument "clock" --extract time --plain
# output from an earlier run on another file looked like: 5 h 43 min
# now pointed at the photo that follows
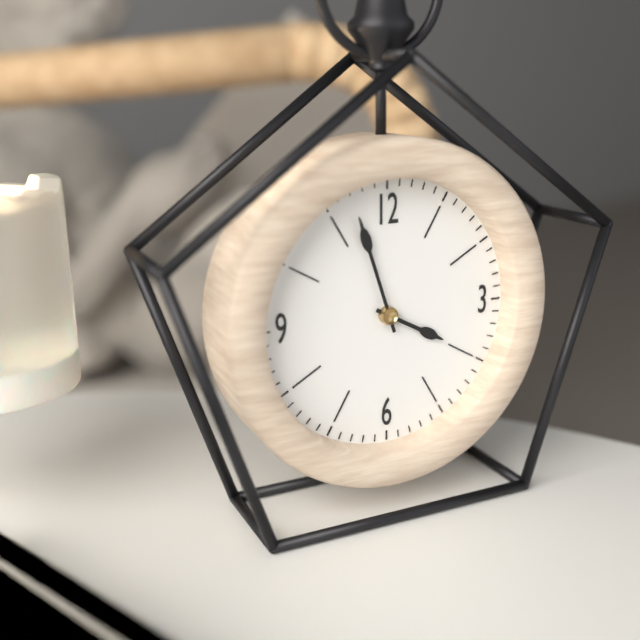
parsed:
3 h 57 min
